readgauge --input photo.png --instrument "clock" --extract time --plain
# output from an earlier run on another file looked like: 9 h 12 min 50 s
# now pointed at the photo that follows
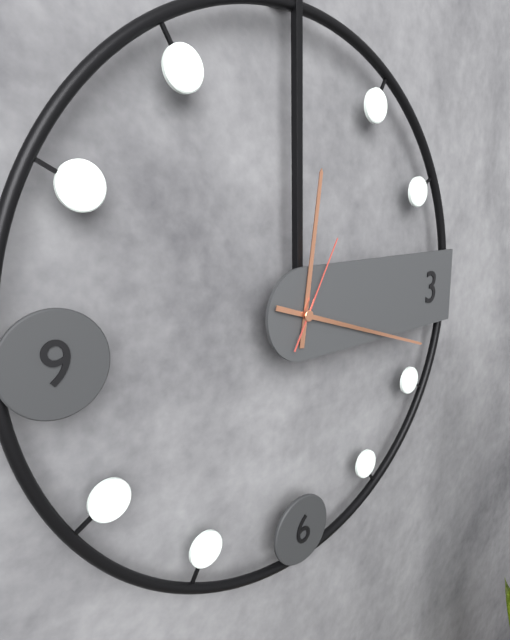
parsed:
12 h 18 min 05 s
